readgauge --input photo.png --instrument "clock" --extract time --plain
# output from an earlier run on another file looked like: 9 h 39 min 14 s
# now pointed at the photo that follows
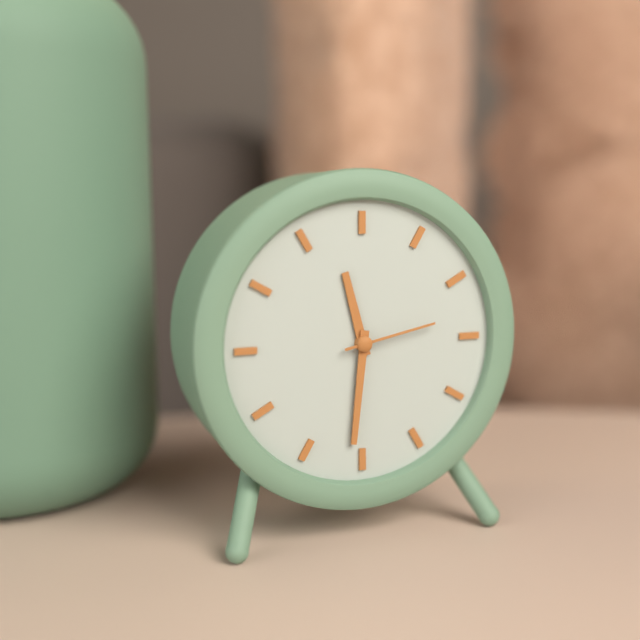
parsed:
11 h 31 min 13 s
